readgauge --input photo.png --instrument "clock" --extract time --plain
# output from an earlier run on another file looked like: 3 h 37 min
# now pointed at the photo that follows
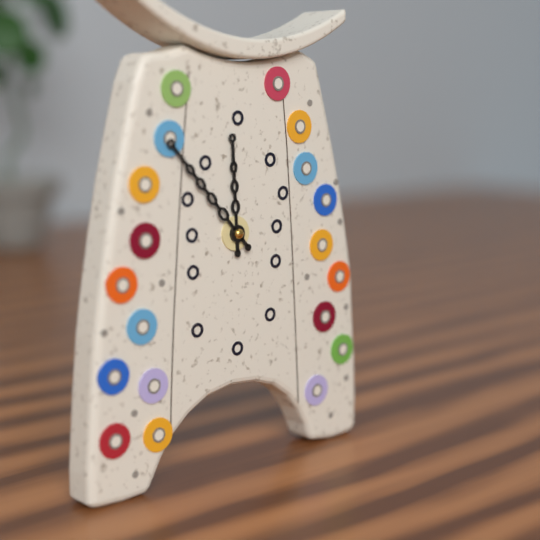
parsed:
11 h 53 min
